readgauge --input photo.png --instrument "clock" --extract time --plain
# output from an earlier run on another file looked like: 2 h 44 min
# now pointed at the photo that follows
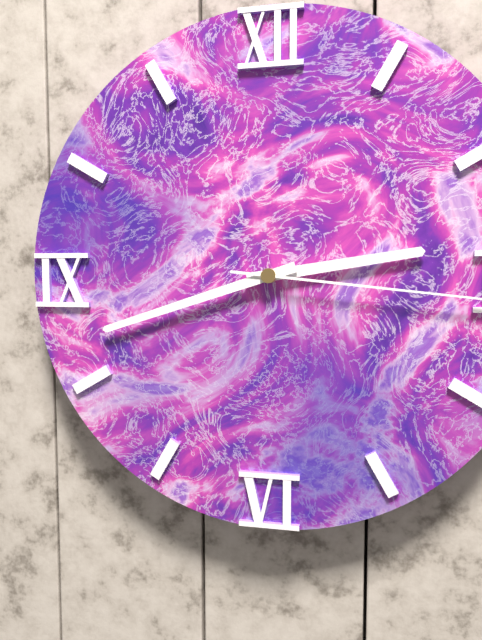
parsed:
2 h 42 min
